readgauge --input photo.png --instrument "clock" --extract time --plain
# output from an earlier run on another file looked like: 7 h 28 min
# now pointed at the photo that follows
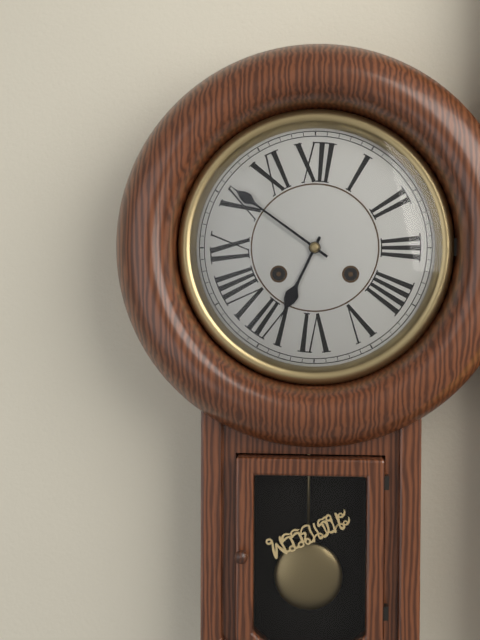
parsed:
6 h 51 min
